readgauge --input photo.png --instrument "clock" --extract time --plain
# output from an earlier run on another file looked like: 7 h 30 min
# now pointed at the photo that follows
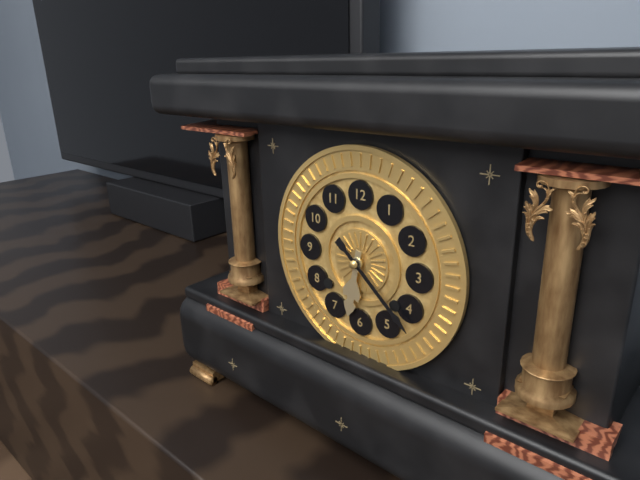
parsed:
6 h 22 min
